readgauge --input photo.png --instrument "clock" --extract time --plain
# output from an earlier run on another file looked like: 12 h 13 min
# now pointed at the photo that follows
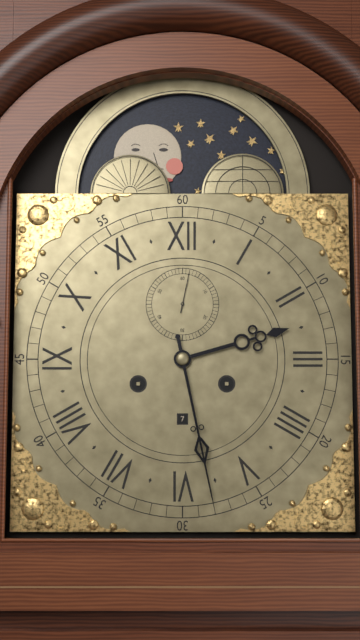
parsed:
2 h 28 min
